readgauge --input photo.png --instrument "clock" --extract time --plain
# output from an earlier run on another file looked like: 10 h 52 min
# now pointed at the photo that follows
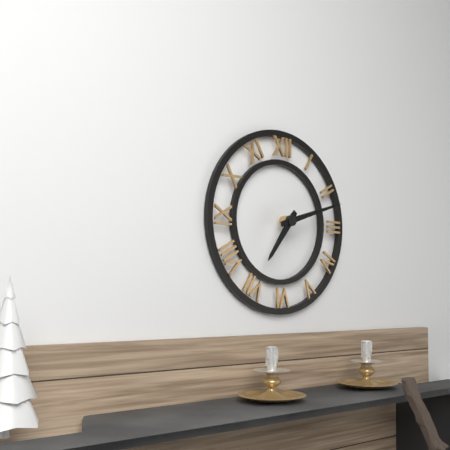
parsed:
7 h 12 min
